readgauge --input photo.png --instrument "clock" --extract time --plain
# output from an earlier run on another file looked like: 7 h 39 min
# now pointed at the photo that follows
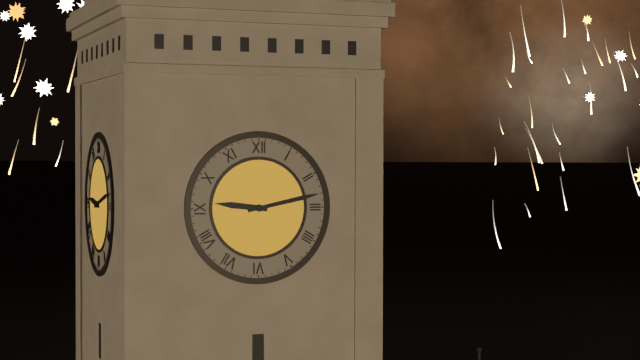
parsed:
9 h 13 min
